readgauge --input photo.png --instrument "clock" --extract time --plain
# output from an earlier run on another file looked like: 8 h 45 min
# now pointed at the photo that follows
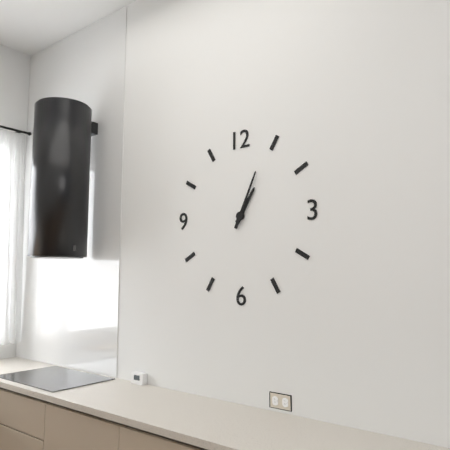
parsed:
1 h 04 min
